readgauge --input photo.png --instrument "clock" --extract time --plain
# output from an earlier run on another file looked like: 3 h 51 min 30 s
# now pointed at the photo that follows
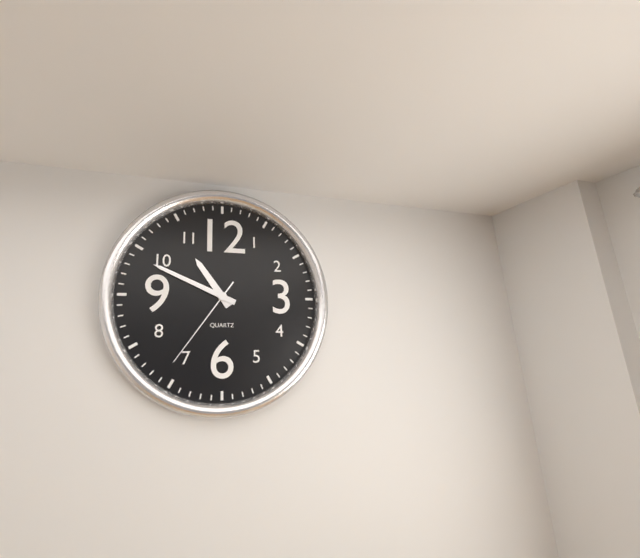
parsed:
10 h 49 min 36 s
